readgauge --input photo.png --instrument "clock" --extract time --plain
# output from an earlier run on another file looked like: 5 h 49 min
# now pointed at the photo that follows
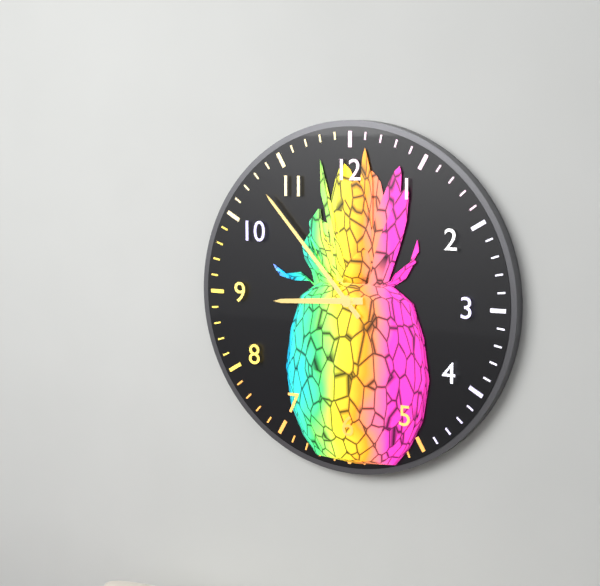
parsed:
8 h 53 min
